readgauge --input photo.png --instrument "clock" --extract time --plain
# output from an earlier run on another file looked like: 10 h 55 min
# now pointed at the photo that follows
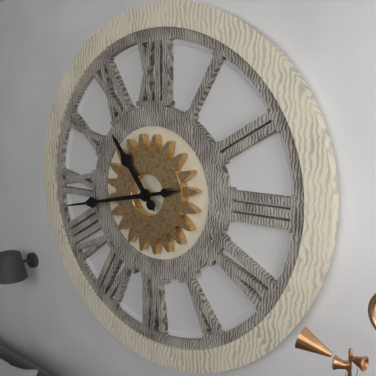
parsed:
10 h 43 min
